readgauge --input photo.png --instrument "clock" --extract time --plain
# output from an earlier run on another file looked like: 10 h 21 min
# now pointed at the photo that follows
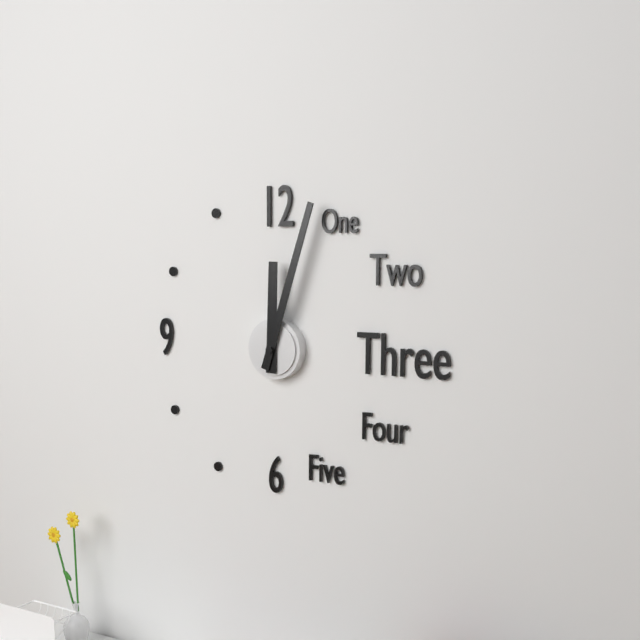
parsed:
12 h 03 min
